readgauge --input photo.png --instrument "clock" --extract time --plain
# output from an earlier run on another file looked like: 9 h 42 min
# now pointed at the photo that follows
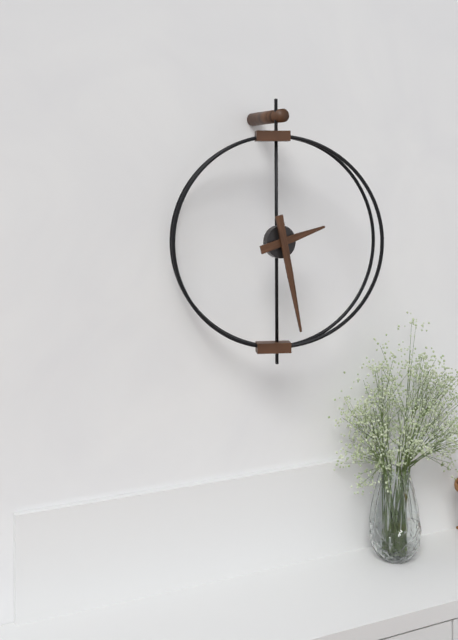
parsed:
2 h 28 min
